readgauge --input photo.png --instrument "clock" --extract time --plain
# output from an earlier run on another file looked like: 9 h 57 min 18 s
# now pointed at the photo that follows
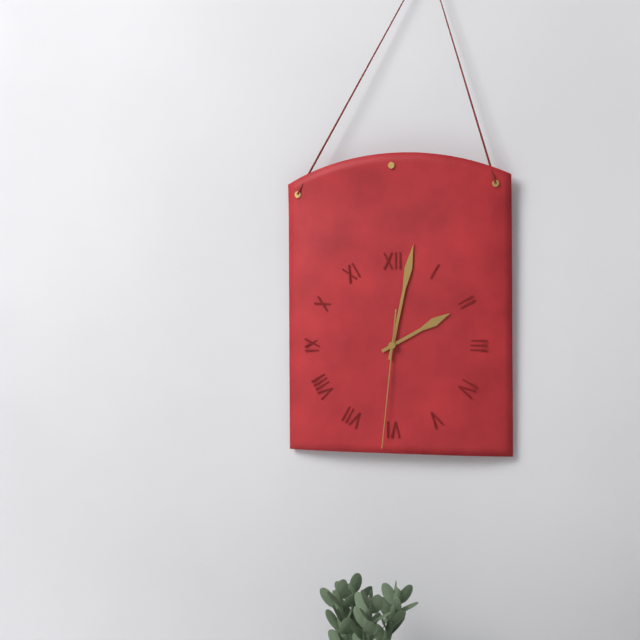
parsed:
2 h 02 min 31 s
